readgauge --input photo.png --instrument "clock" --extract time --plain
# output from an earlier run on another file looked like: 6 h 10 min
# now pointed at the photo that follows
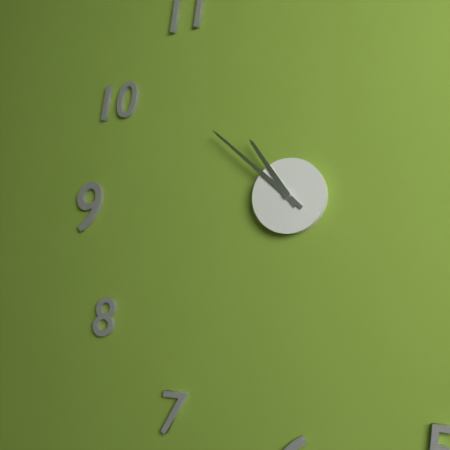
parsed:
10 h 52 min
